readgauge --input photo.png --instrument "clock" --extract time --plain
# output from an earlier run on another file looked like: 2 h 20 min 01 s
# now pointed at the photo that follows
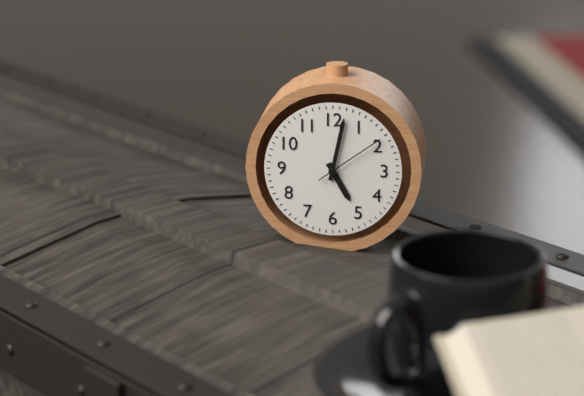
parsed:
5 h 02 min 09 s
